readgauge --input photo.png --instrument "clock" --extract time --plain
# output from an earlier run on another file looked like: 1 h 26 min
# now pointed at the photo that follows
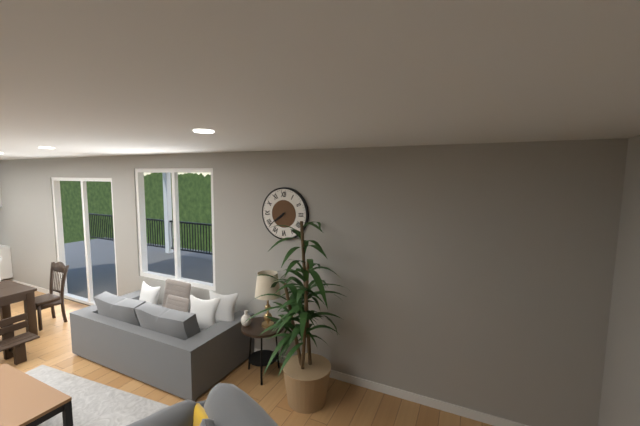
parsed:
7 h 39 min
